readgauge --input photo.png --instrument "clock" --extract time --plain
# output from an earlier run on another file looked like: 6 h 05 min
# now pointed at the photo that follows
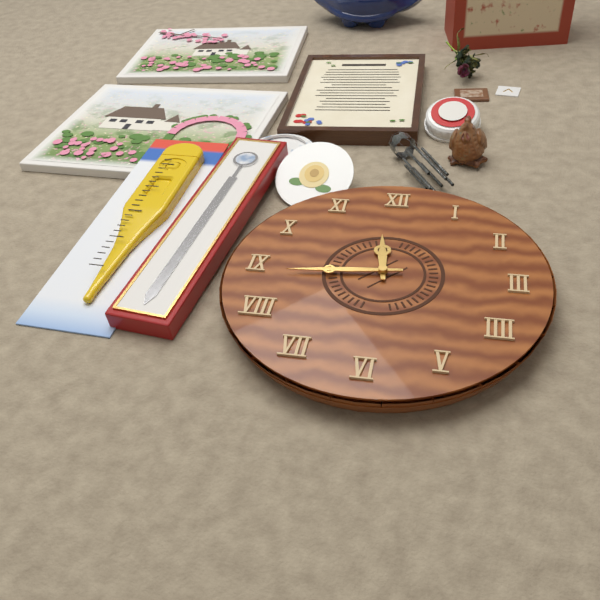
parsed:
11 h 44 min
